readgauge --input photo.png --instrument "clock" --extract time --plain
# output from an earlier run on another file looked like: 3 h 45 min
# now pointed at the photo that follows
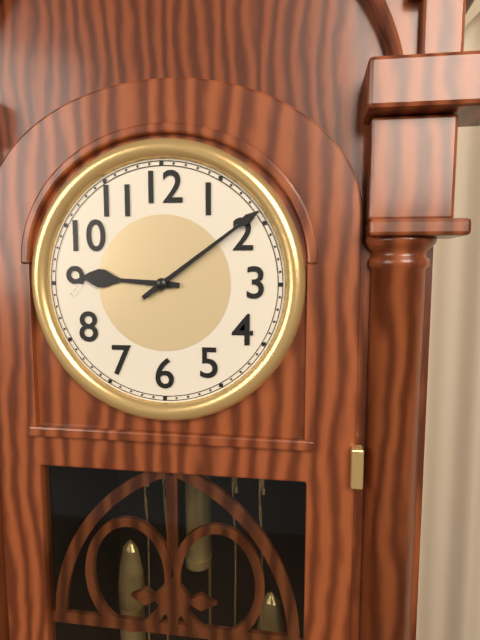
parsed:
9 h 09 min
